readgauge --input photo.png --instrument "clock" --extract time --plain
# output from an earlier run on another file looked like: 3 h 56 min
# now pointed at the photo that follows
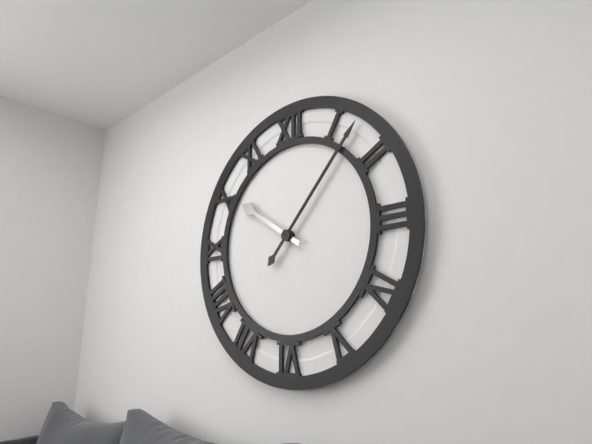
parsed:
10 h 07 min
